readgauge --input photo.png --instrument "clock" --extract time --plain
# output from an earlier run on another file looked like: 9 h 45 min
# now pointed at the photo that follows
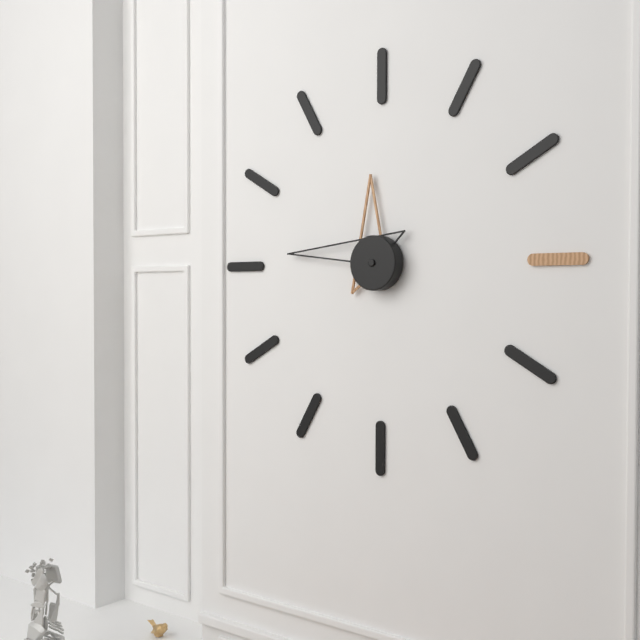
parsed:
11 h 46 min
